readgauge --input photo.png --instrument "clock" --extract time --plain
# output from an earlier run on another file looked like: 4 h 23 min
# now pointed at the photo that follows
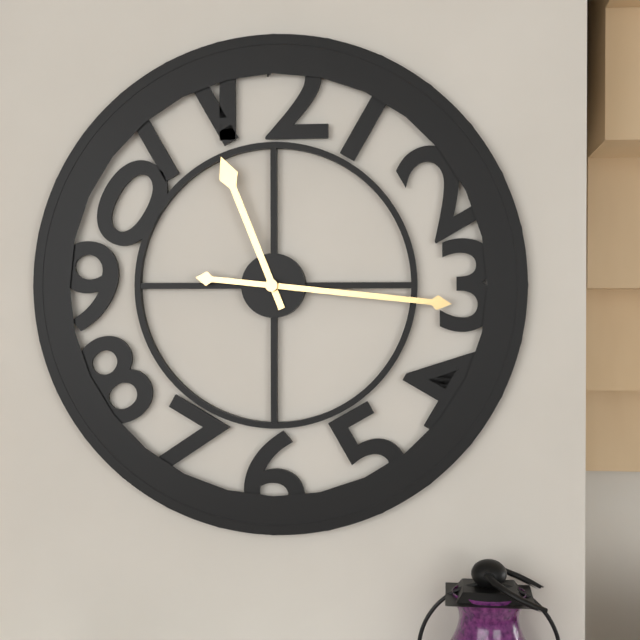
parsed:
11 h 16 min
